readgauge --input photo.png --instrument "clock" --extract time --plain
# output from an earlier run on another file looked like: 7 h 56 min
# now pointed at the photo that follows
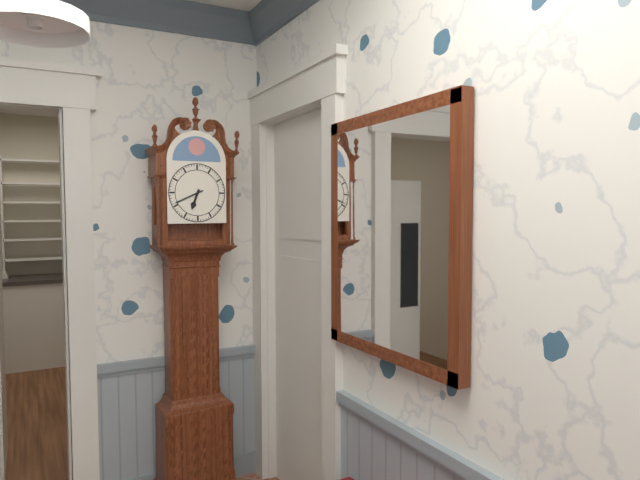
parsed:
6 h 41 min
